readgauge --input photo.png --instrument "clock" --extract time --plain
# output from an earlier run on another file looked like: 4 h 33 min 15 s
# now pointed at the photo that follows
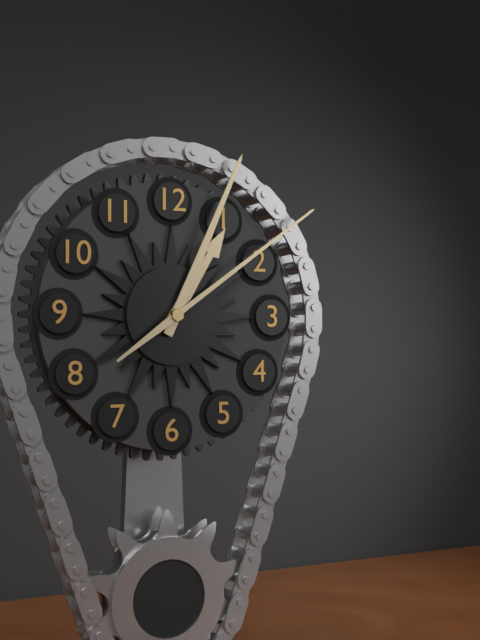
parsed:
1 h 04 min 09 s
